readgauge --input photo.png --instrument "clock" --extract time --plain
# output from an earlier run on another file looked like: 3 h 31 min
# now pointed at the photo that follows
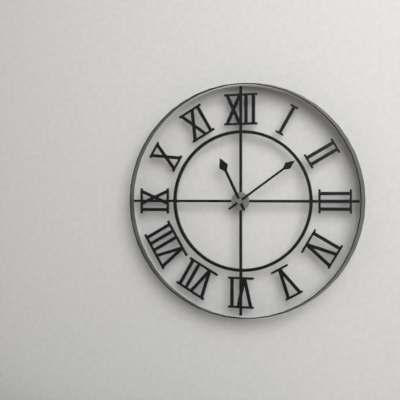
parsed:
11 h 09 min
